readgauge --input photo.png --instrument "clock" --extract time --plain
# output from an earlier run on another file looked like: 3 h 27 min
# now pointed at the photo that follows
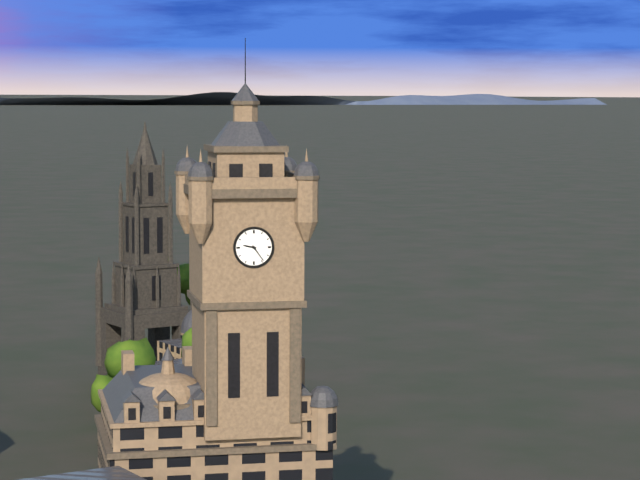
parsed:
9 h 24 min
